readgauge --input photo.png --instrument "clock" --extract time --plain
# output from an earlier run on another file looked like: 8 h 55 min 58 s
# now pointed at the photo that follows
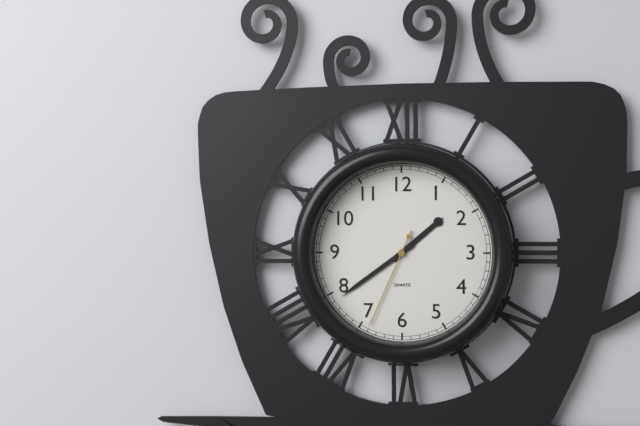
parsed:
1 h 39 min 34 s
